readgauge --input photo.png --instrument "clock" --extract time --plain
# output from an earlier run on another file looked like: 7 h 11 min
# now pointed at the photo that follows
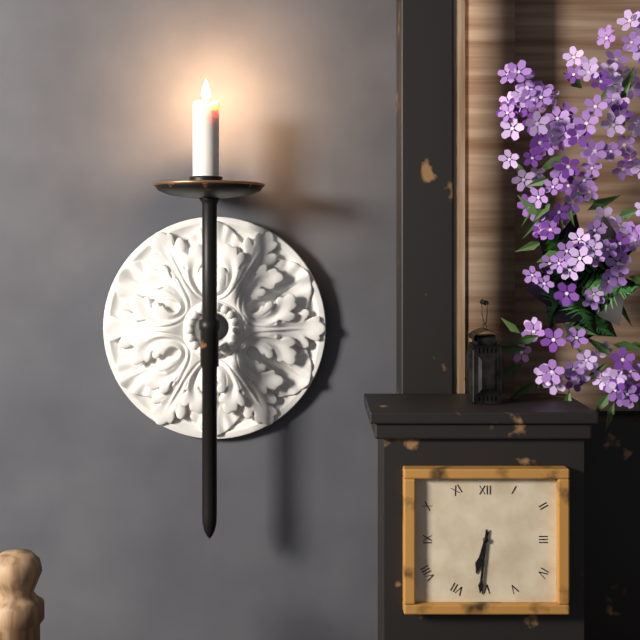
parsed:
6 h 31 min
